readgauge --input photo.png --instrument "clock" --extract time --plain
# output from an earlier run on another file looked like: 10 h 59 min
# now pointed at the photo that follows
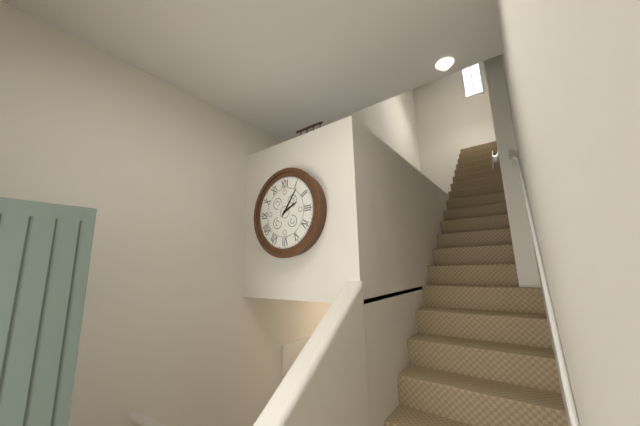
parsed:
2 h 06 min
